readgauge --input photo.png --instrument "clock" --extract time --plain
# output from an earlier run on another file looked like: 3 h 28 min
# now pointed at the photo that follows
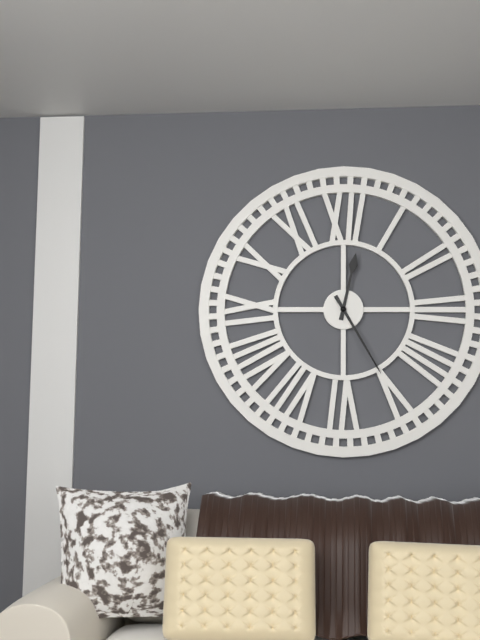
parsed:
12 h 25 min
